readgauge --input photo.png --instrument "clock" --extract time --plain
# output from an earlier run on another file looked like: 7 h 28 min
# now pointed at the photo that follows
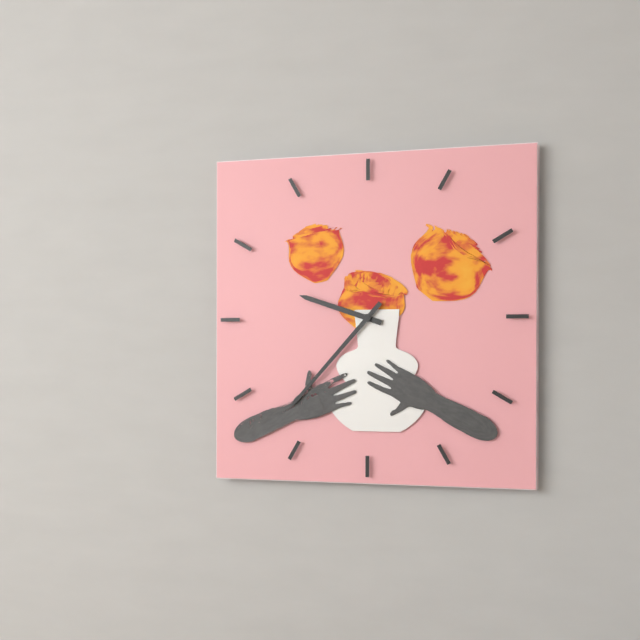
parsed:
9 h 37 min
